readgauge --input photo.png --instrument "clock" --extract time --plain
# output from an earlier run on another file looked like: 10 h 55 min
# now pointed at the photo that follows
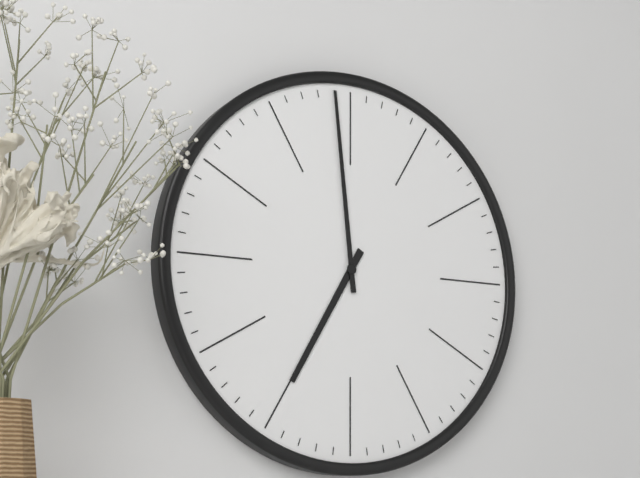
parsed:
6 h 59 min
